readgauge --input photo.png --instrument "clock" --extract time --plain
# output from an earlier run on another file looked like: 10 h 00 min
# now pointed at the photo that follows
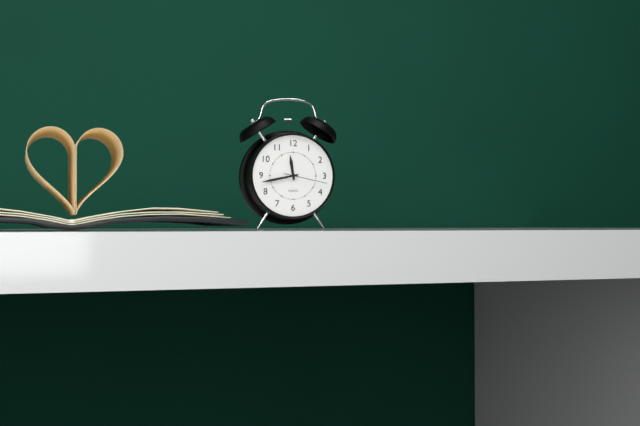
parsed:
11 h 43 min
